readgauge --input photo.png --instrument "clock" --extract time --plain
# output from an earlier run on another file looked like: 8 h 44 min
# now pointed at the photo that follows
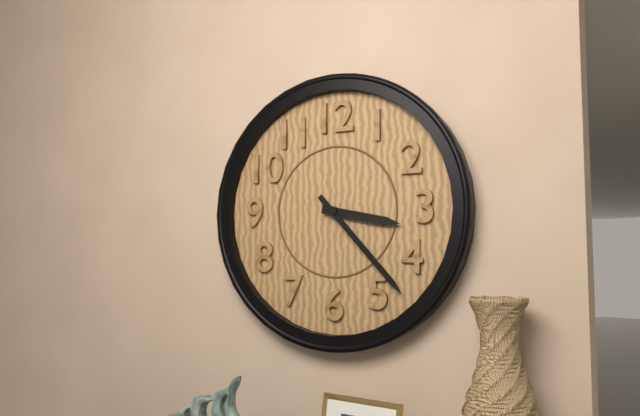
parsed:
3 h 23 min
